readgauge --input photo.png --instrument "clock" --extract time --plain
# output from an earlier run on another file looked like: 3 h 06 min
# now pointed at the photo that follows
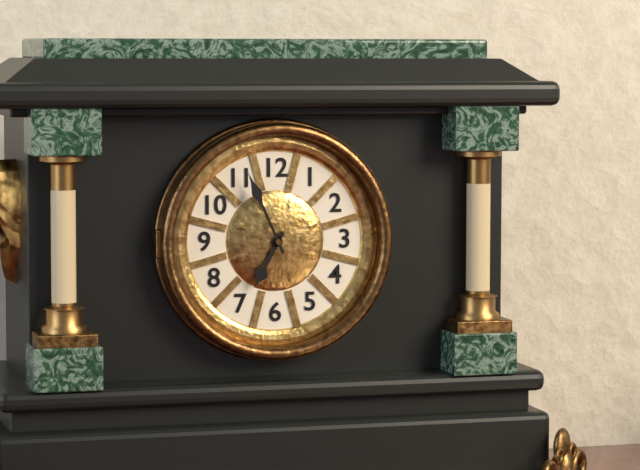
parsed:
6 h 56 min
